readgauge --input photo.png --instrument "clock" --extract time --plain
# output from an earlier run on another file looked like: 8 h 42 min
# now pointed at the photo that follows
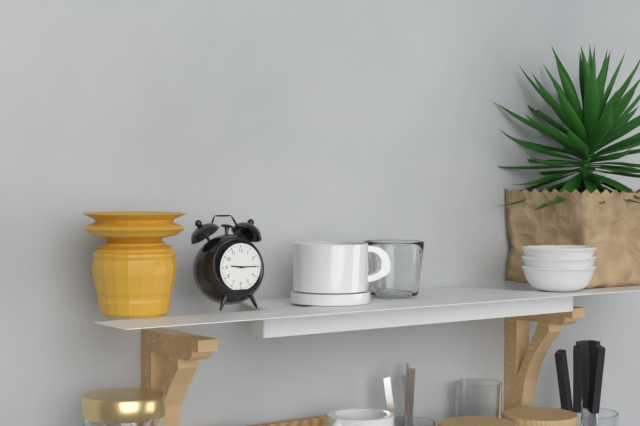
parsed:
9 h 15 min
